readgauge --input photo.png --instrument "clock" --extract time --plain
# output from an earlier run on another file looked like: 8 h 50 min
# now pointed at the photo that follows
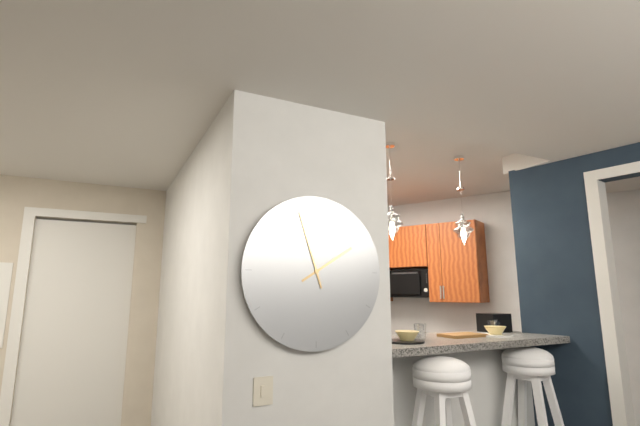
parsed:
1 h 57 min
